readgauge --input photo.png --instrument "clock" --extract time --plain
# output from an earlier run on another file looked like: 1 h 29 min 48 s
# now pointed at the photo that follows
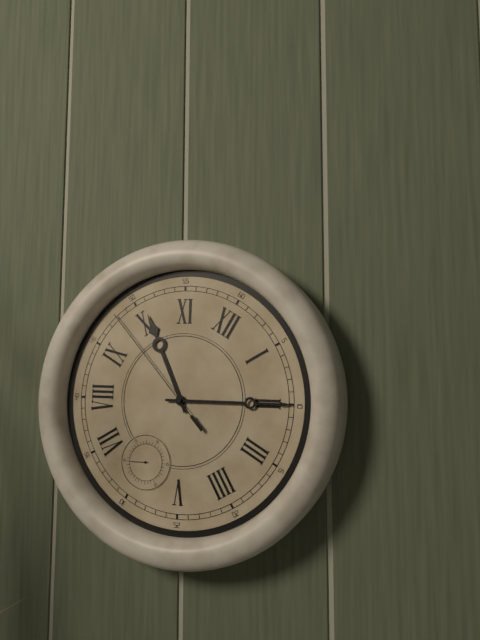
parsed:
10 h 10 min 48 s
